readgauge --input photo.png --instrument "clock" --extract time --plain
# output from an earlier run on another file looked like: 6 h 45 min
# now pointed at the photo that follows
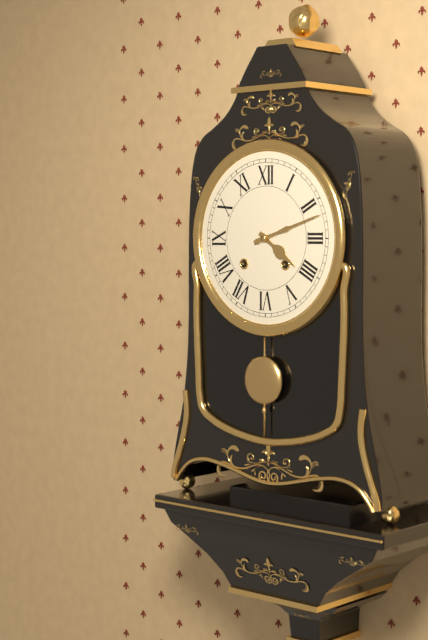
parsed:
4 h 12 min
